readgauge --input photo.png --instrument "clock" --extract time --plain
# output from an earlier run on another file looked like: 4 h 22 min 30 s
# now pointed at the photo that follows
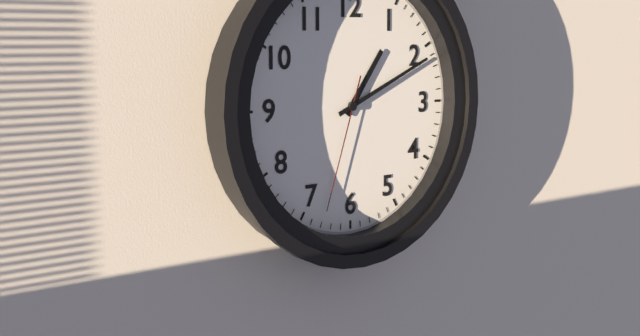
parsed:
1 h 11 min 33 s
